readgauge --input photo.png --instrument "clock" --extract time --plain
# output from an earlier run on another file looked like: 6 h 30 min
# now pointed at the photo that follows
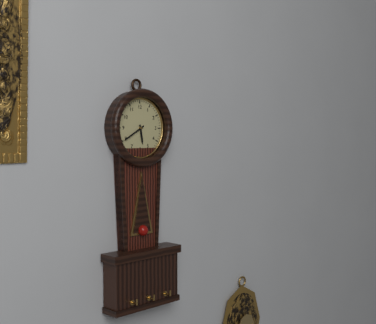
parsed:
5 h 40 min
